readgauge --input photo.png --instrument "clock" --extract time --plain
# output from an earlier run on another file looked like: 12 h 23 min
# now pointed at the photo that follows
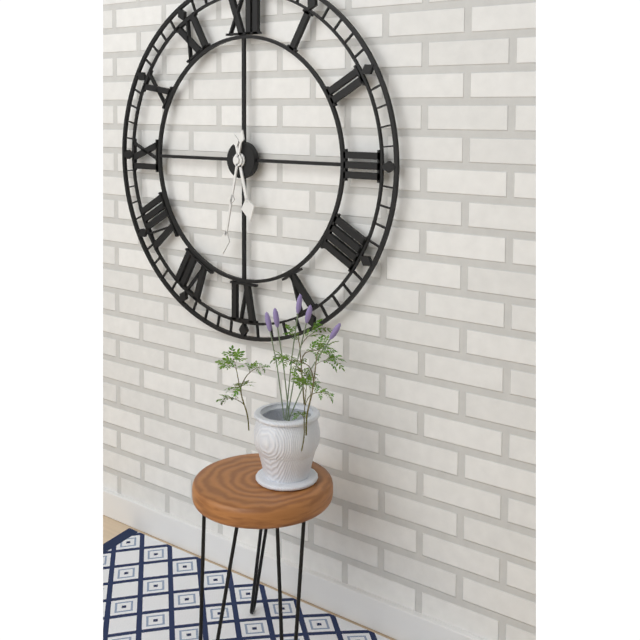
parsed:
5 h 32 min
